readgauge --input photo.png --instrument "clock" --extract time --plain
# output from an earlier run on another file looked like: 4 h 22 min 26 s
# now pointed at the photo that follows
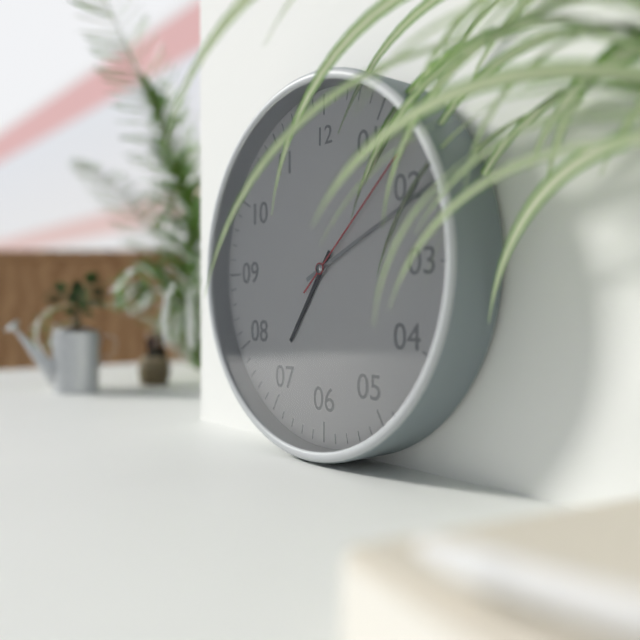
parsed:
7 h 11 min 08 s
